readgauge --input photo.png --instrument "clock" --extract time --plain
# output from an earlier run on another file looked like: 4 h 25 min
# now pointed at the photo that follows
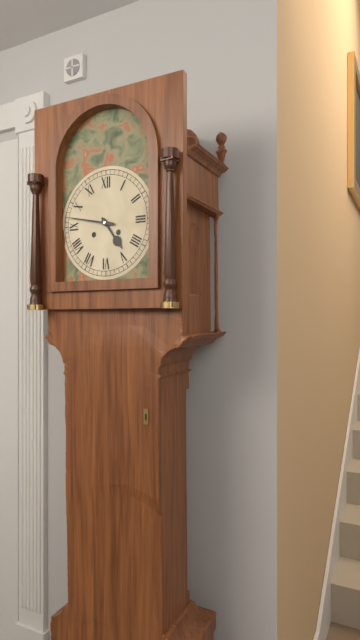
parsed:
4 h 47 min
